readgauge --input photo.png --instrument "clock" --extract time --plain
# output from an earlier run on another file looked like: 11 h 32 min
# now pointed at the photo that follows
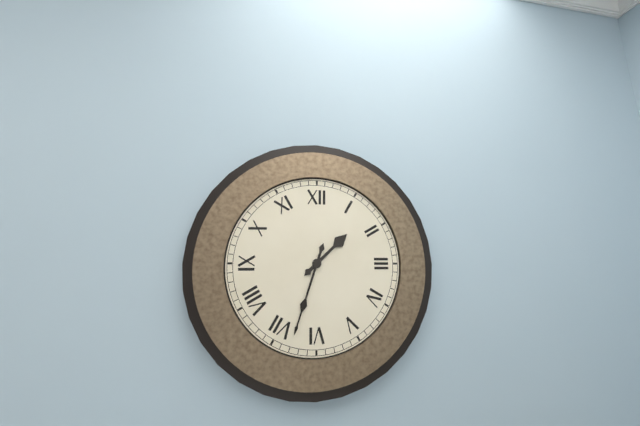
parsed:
1 h 33 min
